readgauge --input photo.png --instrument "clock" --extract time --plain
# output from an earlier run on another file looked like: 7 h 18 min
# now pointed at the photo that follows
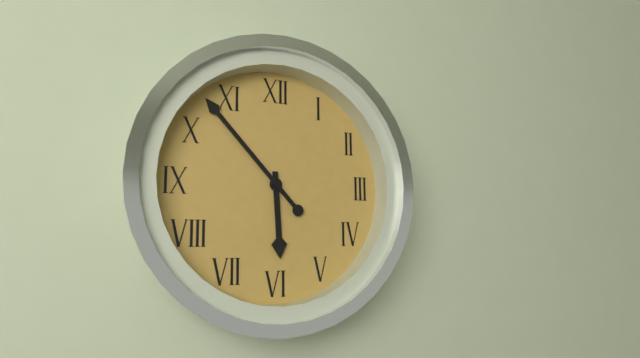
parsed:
5 h 53 min
